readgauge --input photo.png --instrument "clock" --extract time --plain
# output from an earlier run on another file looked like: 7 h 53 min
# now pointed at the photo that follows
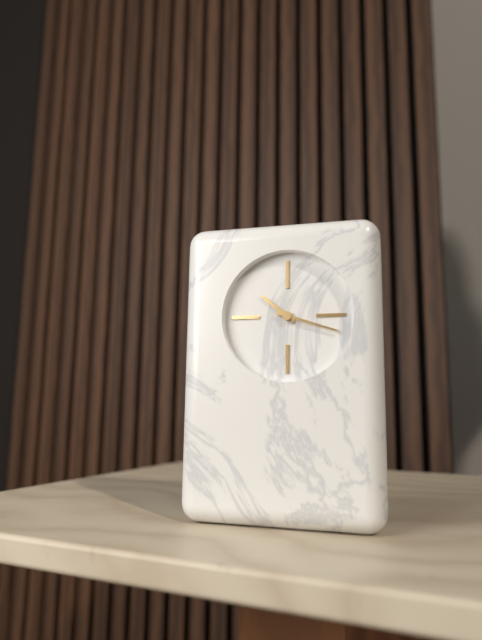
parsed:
10 h 18 min
